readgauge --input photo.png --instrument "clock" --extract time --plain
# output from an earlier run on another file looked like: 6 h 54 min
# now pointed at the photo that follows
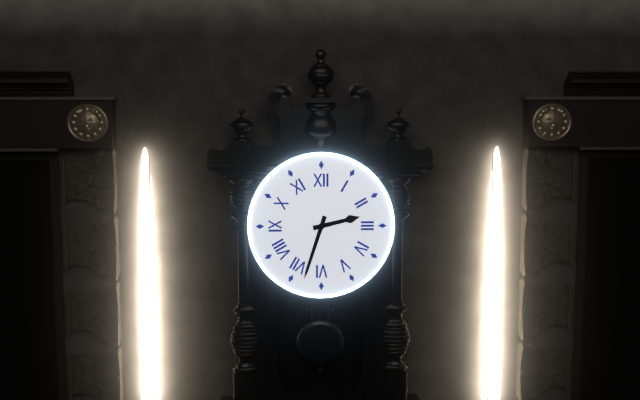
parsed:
2 h 33 min
